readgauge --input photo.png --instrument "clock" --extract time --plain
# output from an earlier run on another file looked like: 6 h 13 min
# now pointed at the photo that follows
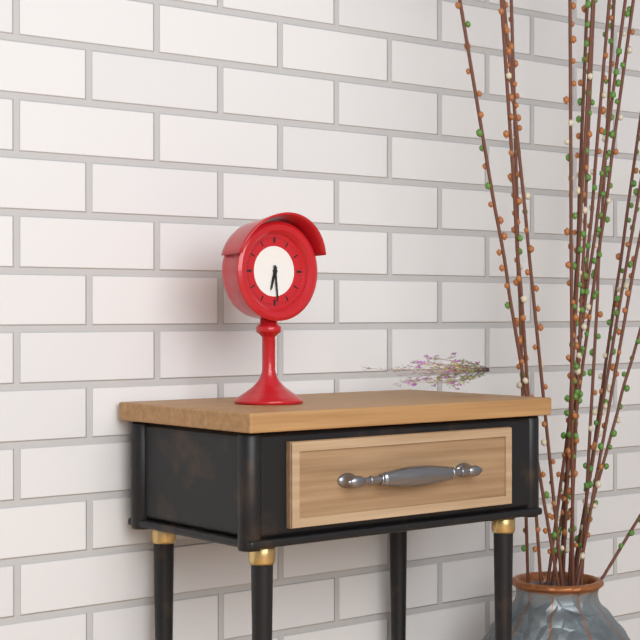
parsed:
6 h 29 min
